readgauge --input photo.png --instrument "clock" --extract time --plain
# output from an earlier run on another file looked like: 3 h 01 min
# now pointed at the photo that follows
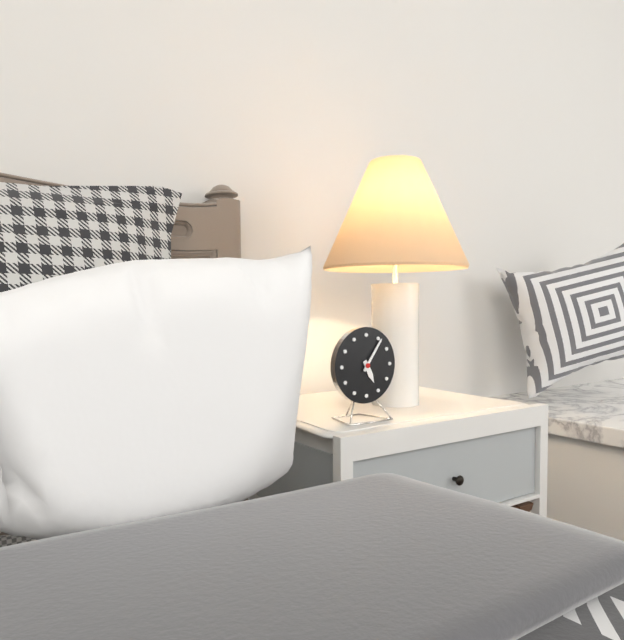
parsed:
5 h 06 min
